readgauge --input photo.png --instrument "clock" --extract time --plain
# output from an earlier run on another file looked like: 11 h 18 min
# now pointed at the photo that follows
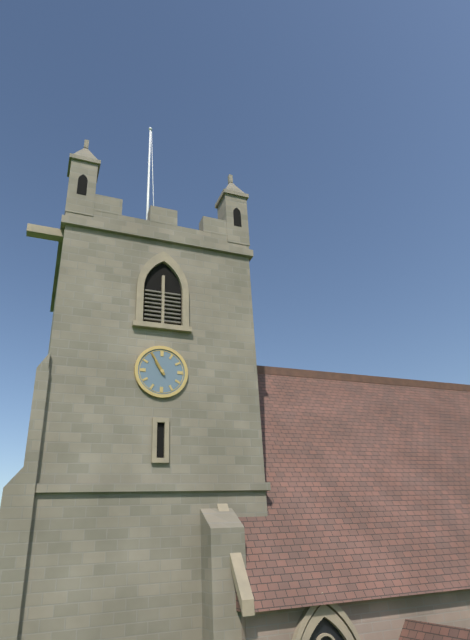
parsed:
10 h 55 min
